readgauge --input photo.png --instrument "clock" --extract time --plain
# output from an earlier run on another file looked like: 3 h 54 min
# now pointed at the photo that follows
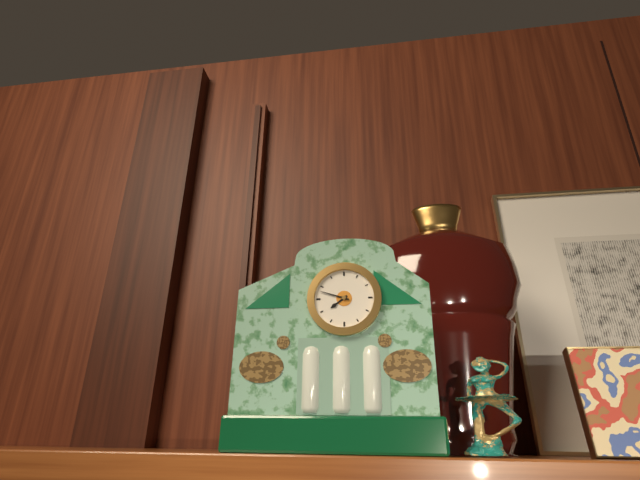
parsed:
7 h 48 min
